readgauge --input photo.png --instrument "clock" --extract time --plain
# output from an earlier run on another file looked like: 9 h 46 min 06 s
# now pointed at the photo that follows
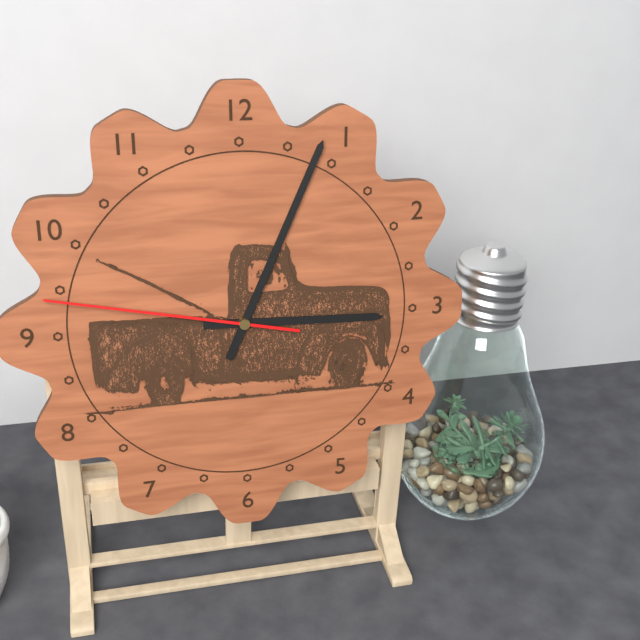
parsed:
3 h 04 min 47 s
